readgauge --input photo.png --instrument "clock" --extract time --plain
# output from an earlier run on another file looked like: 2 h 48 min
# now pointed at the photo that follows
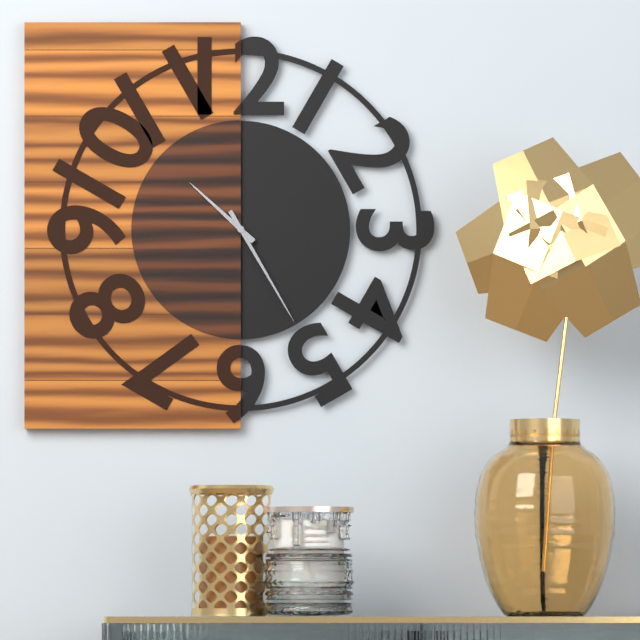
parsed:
10 h 25 min
